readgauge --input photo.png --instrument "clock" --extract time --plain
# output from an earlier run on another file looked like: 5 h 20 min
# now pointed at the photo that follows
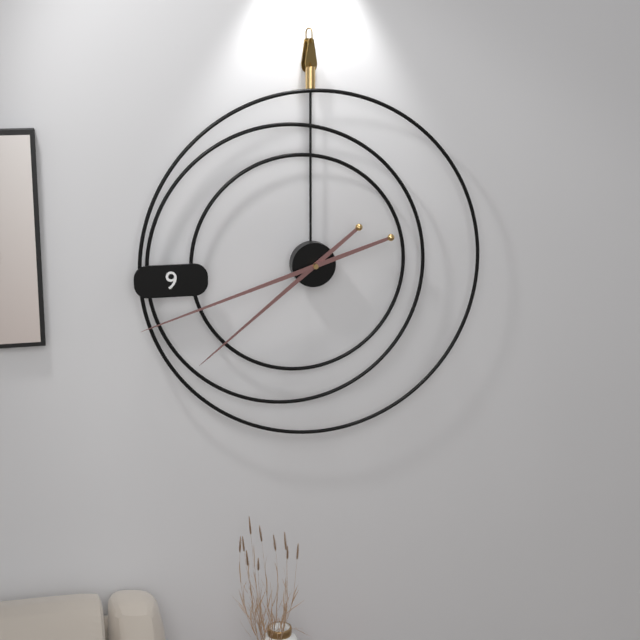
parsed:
7 h 42 min
